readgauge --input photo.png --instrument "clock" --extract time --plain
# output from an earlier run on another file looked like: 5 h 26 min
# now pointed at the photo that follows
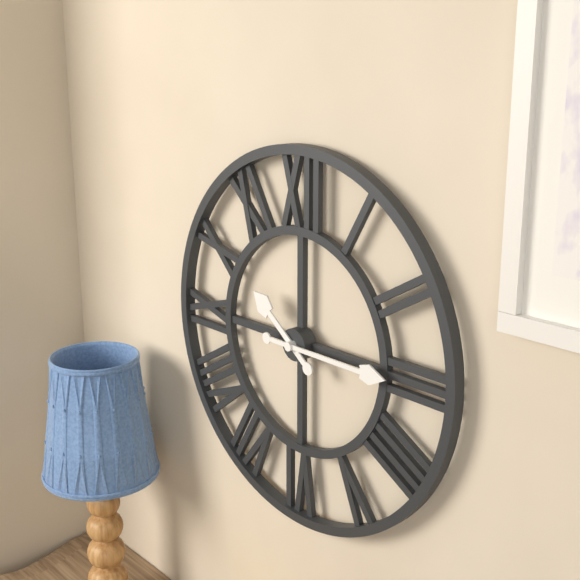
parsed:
10 h 15 min
